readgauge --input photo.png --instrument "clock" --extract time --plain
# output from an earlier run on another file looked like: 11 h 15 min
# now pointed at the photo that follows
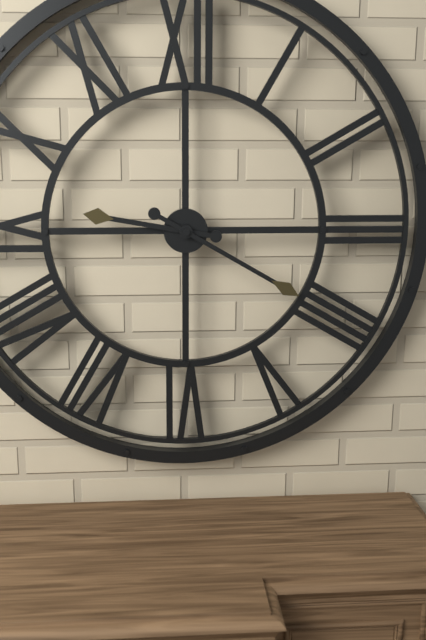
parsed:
9 h 20 min
